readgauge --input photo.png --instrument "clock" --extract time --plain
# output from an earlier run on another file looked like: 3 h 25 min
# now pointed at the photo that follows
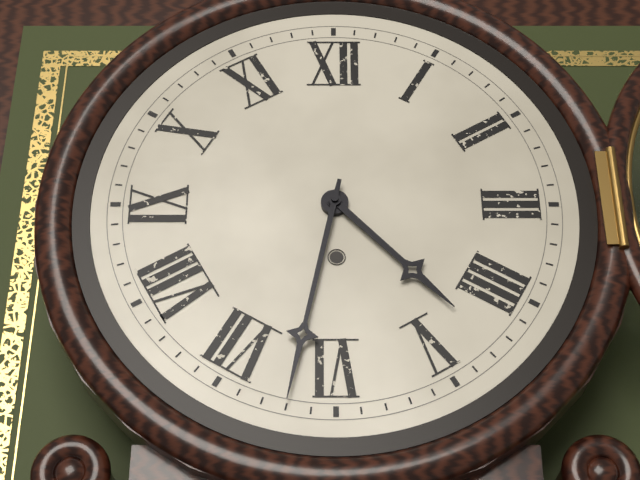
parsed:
4 h 32 min
